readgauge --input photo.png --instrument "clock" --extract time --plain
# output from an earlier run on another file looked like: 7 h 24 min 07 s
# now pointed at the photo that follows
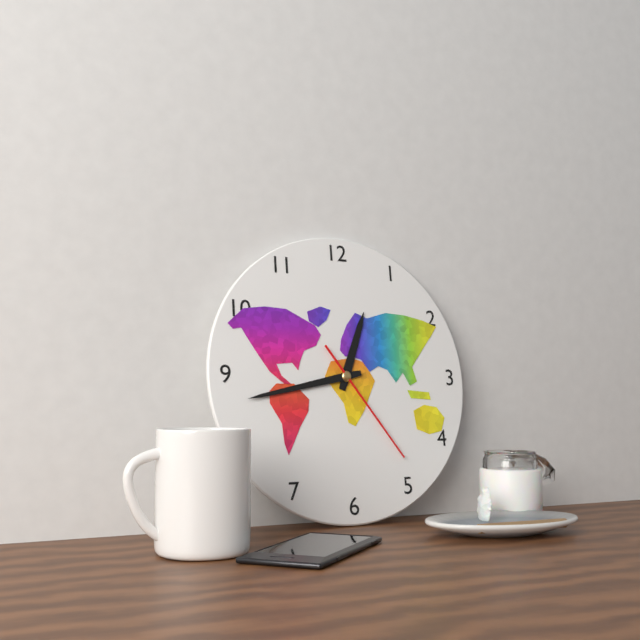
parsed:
12 h 43 min 24 s
